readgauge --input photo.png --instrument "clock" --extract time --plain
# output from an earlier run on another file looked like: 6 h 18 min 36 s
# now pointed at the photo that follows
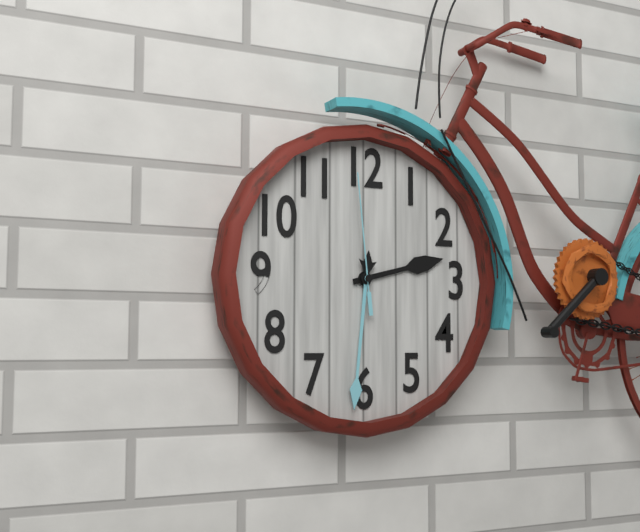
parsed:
2 h 31 min 59 s
